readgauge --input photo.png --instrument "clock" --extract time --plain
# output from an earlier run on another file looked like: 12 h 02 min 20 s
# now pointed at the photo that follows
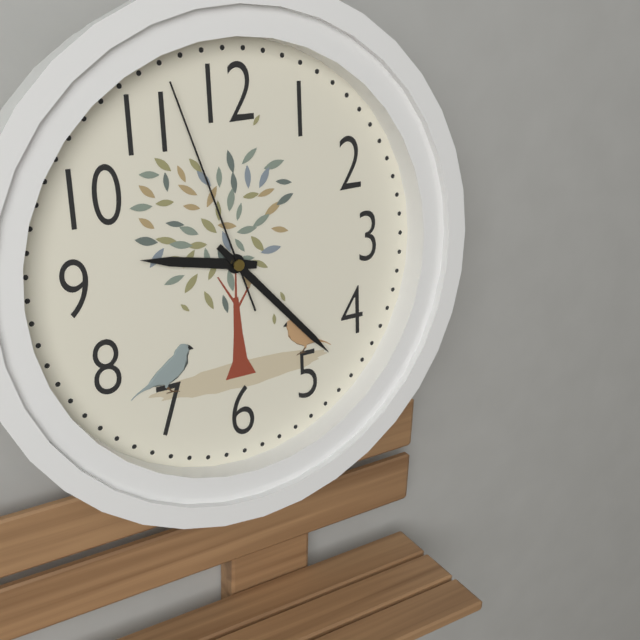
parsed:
9 h 23 min 57 s
